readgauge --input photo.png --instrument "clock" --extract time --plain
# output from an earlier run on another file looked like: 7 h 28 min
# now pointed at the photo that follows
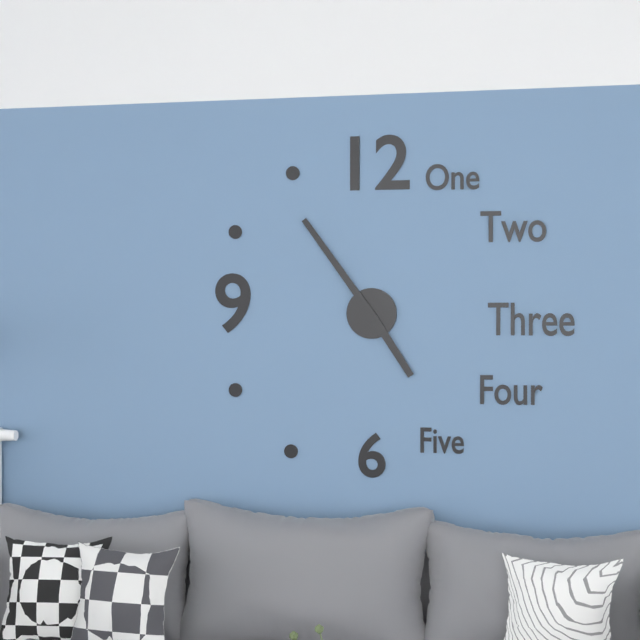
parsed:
4 h 54 min
